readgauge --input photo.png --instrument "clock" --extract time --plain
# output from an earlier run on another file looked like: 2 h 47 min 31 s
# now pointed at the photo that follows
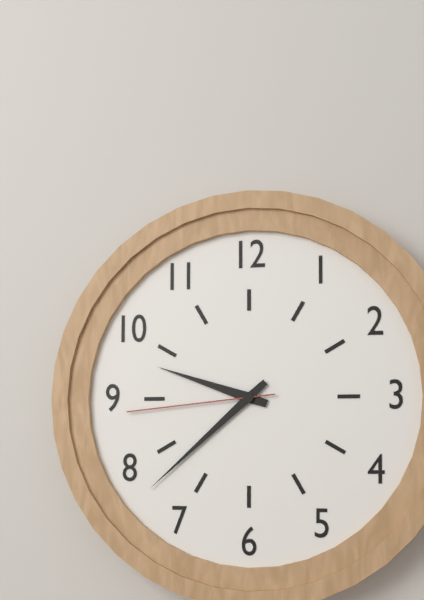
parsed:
9 h 38 min 44 s
